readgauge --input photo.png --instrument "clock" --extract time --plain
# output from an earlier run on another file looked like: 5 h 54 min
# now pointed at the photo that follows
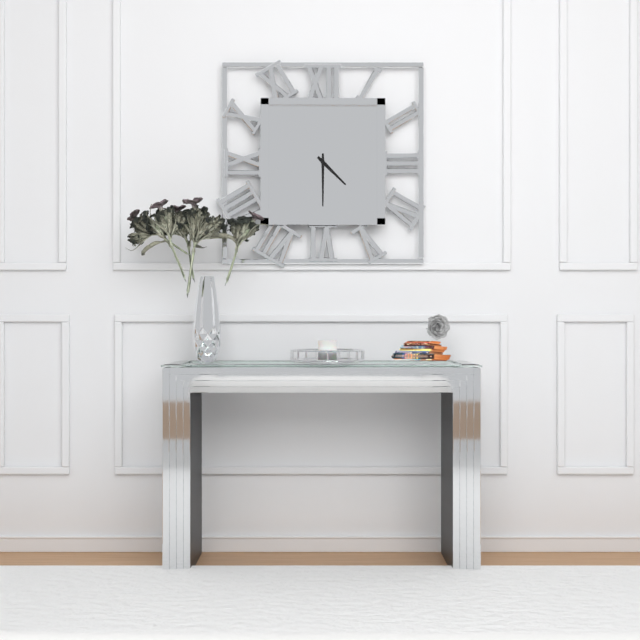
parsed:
4 h 30 min
